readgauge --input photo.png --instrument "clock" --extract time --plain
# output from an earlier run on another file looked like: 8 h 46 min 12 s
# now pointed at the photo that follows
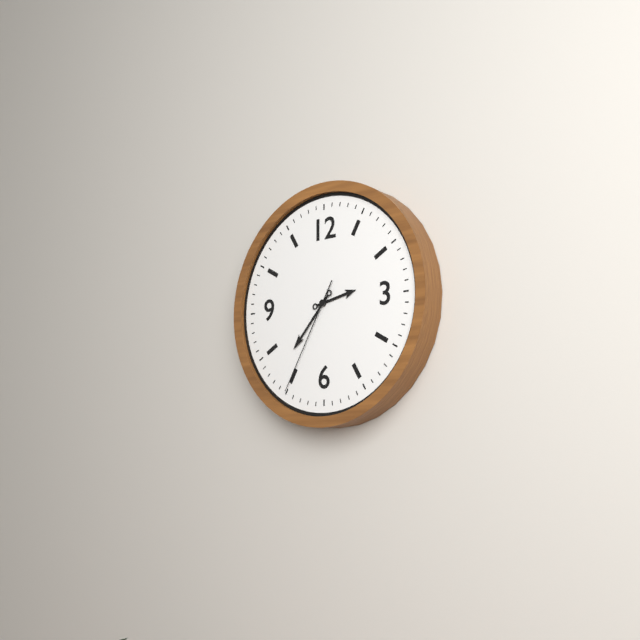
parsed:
2 h 37 min 35 s
